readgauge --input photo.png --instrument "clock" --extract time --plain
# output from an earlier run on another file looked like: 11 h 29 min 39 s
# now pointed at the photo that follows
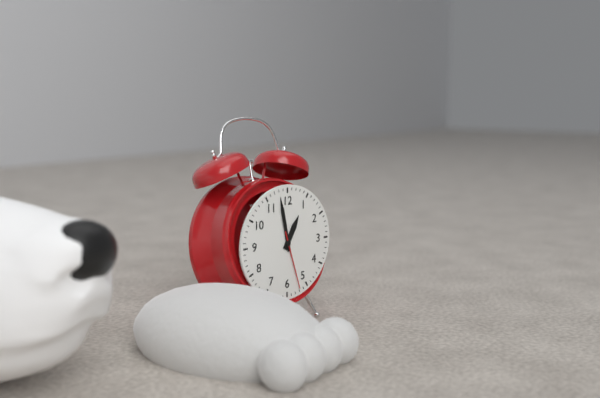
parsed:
12 h 58 min 27 s
